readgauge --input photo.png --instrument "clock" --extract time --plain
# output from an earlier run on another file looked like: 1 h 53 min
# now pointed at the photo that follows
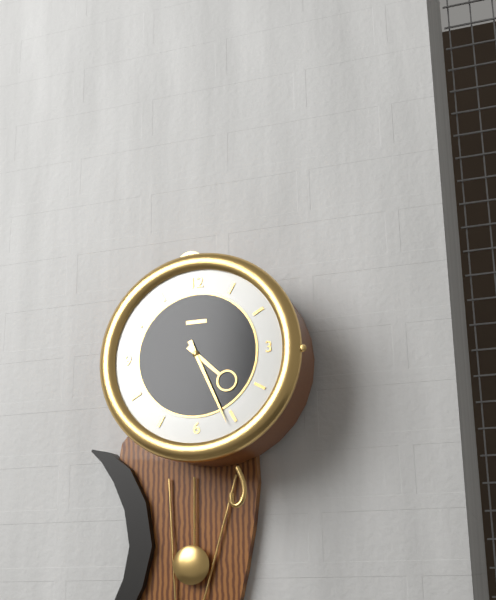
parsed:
4 h 26 min
